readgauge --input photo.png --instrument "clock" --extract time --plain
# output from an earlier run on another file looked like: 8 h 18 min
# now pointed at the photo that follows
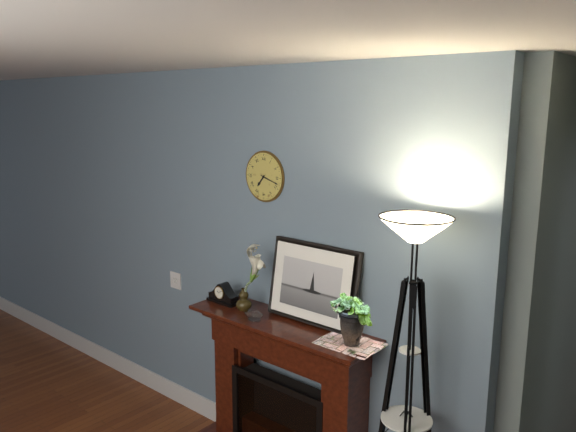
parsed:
7 h 18 min
